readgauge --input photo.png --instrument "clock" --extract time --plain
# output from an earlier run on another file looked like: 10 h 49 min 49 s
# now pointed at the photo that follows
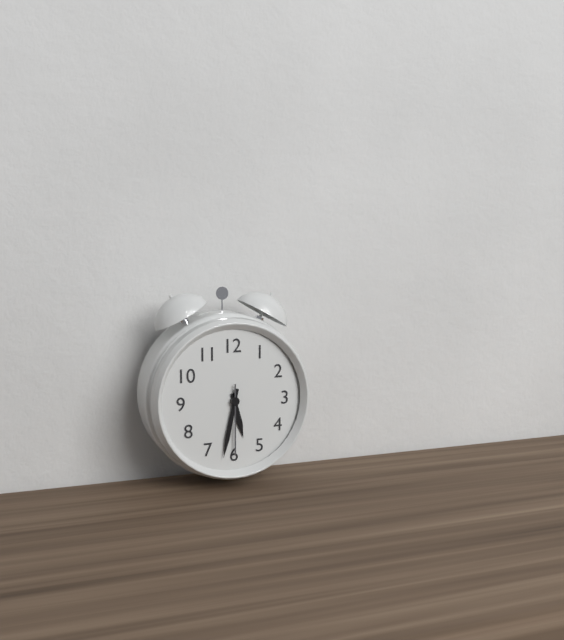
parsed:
5 h 32 min 30 s
